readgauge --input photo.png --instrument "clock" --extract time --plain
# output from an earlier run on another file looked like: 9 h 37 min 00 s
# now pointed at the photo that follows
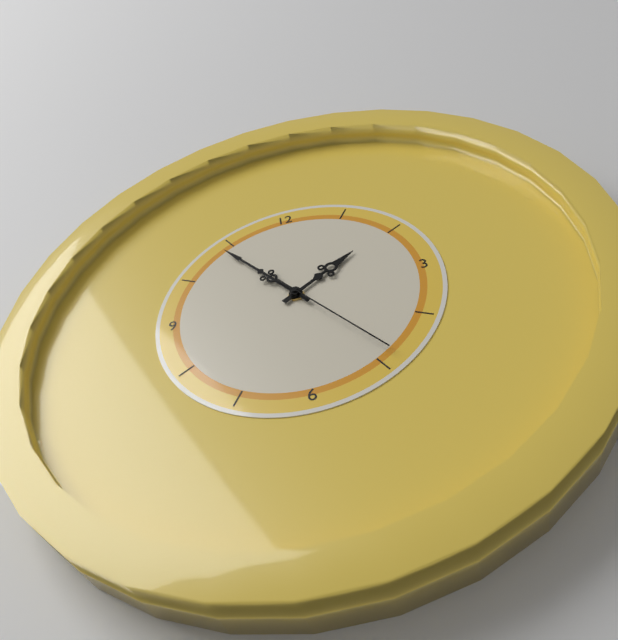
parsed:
1 h 54 min 24 s
